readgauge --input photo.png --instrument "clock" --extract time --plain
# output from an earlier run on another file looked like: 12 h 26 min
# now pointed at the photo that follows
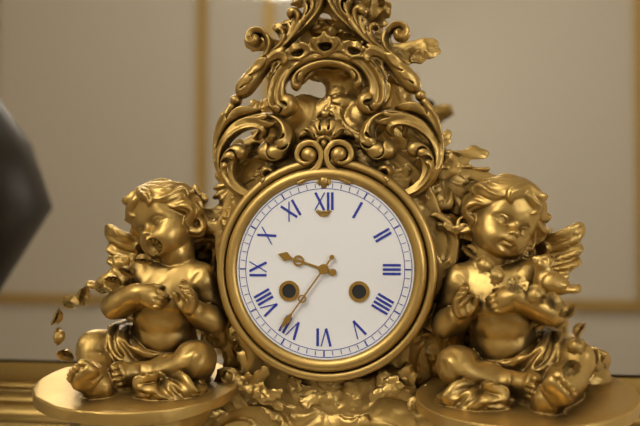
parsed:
9 h 36 min
